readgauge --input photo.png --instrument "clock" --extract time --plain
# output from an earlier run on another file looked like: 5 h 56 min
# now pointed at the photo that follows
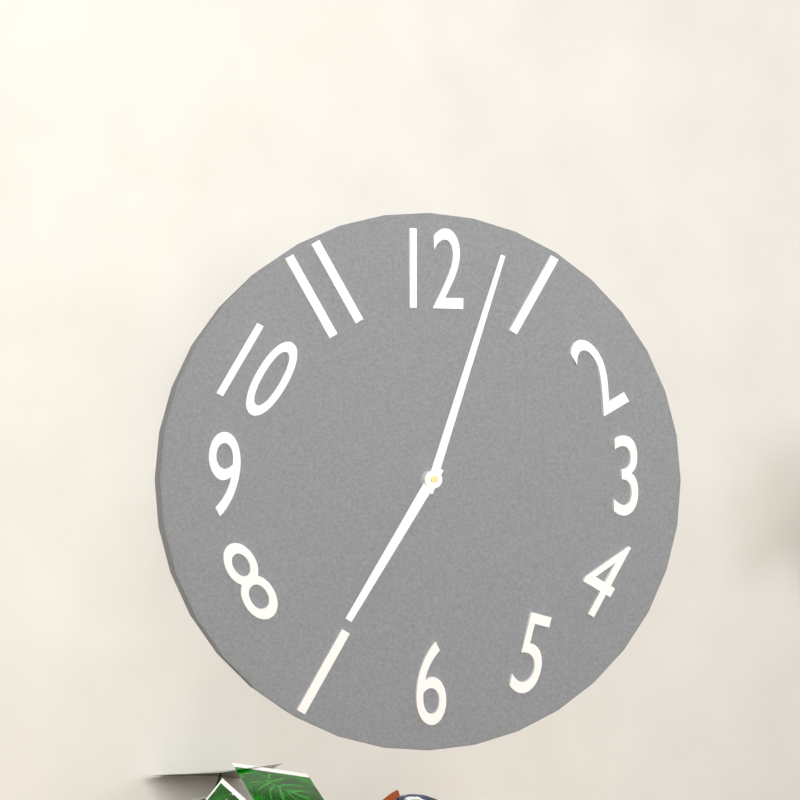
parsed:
7 h 03 min
